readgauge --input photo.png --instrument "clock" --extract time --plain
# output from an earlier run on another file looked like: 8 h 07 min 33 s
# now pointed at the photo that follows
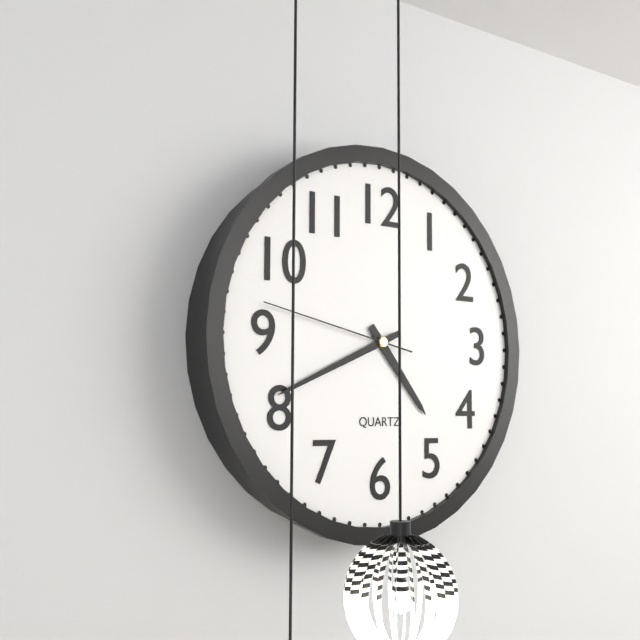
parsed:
4 h 41 min 47 s
